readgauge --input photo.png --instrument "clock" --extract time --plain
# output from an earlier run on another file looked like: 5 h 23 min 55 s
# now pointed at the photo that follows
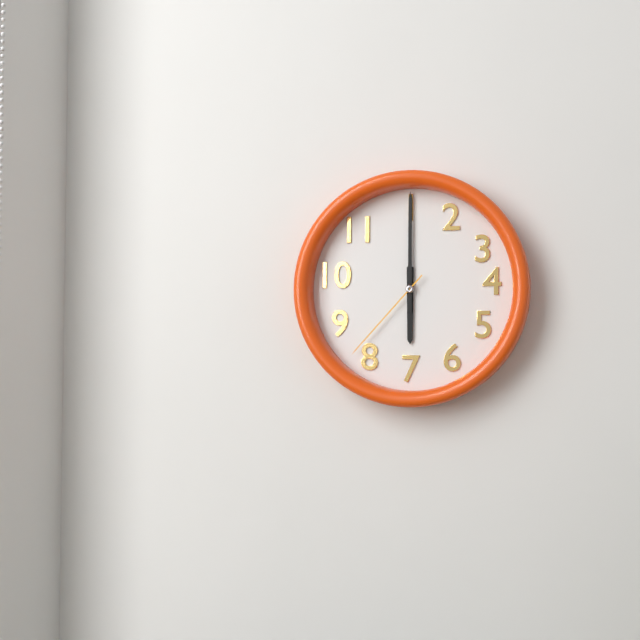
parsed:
6 h 00 min 37 s
